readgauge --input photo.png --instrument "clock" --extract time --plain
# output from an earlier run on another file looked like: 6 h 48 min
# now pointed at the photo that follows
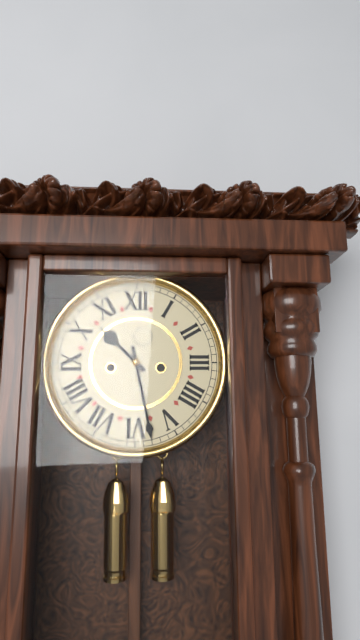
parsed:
10 h 28 min
